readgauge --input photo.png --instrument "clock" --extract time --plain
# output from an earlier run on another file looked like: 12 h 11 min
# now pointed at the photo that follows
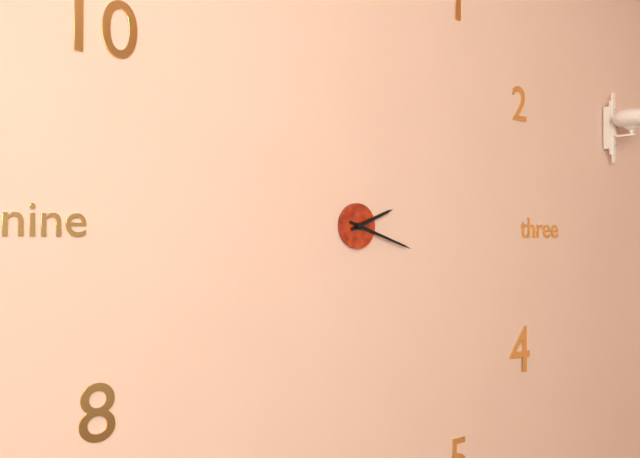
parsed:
2 h 18 min
